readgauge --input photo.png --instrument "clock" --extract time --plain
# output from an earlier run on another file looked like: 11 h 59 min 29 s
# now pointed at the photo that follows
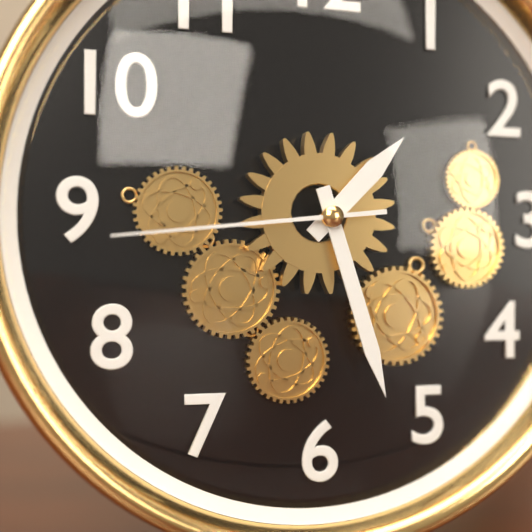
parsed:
1 h 27 min 44 s
